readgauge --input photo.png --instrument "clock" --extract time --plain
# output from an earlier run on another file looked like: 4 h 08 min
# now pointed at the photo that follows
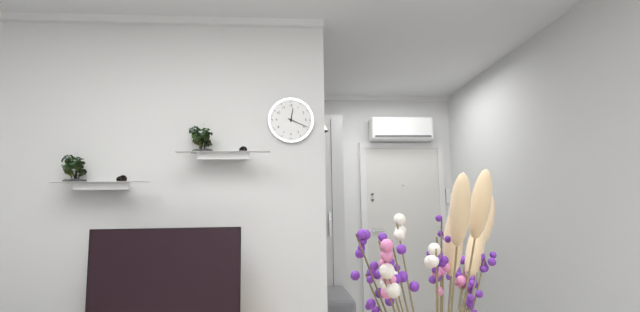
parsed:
12 h 19 min
